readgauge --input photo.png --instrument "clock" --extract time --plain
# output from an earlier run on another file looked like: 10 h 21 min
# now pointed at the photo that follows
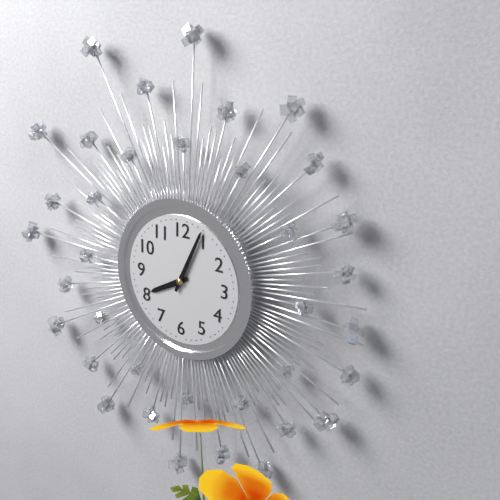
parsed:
8 h 04 min
